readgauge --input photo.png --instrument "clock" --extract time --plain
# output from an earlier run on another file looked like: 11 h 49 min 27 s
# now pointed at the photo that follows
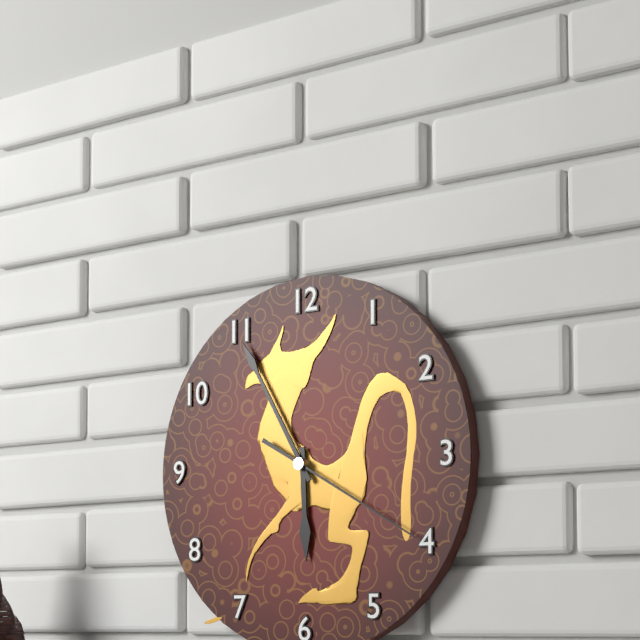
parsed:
5 h 55 min 20 s
